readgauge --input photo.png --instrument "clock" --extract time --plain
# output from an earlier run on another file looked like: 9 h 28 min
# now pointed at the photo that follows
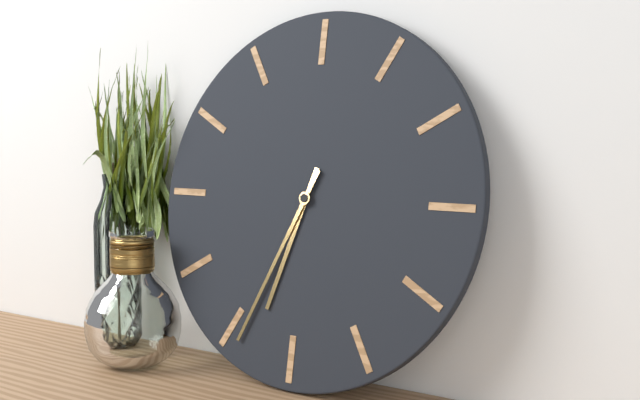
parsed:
6 h 34 min
